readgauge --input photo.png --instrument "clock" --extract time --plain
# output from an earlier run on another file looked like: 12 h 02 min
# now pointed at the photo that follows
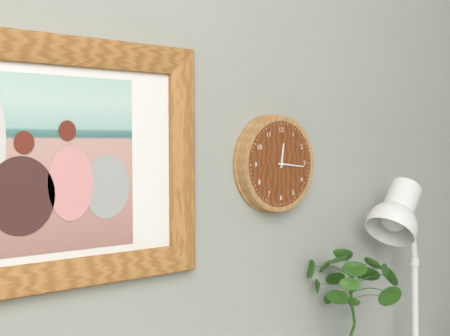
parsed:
12 h 16 min
